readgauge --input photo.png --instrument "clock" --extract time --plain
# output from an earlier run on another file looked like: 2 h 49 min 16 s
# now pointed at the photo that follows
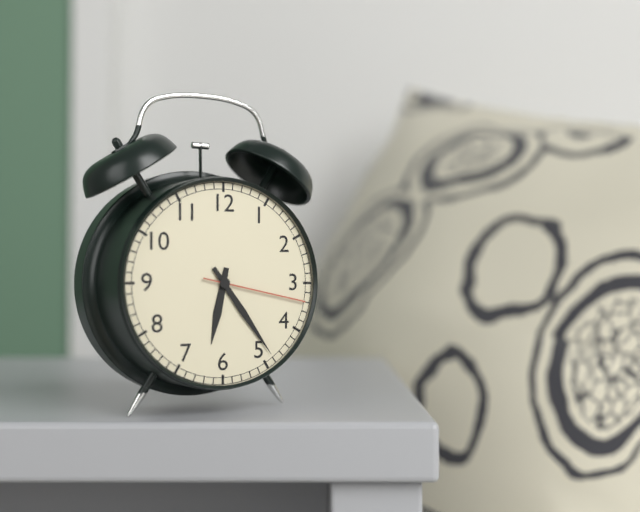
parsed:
6 h 24 min 17 s
